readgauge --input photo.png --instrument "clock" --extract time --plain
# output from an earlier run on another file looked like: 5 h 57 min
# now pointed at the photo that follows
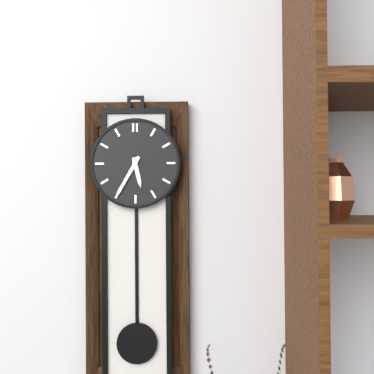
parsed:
5 h 35 min
